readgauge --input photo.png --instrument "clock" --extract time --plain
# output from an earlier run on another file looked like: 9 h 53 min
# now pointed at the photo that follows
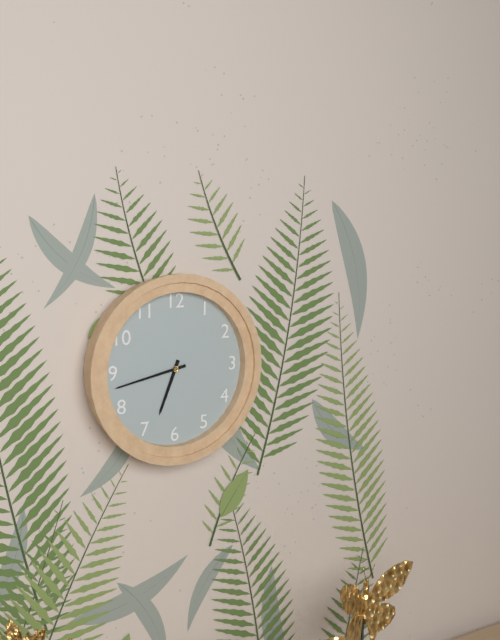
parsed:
6 h 43 min
